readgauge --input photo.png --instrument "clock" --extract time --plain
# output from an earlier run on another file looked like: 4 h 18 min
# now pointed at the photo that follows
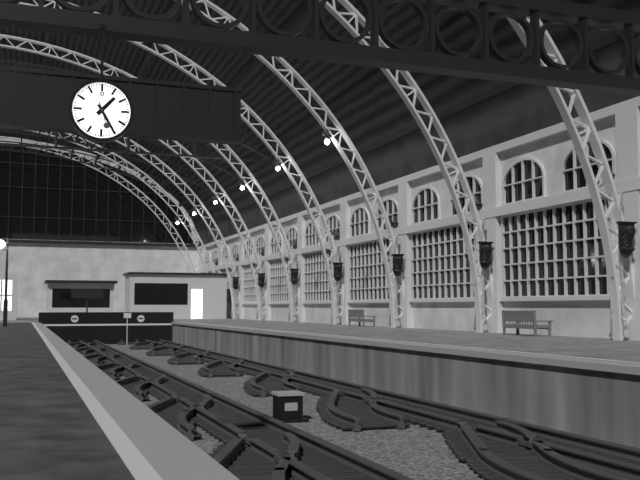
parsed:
1 h 25 min
